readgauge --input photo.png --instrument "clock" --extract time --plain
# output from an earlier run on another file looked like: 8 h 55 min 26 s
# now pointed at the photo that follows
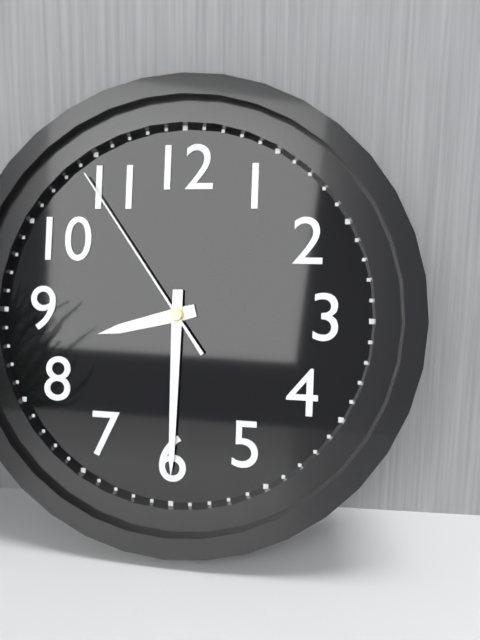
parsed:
8 h 30 min 54 s
